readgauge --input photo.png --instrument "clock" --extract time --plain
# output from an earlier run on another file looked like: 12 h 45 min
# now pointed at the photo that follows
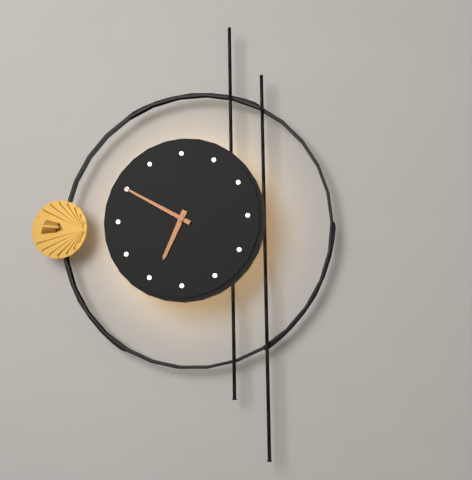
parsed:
6 h 50 min
